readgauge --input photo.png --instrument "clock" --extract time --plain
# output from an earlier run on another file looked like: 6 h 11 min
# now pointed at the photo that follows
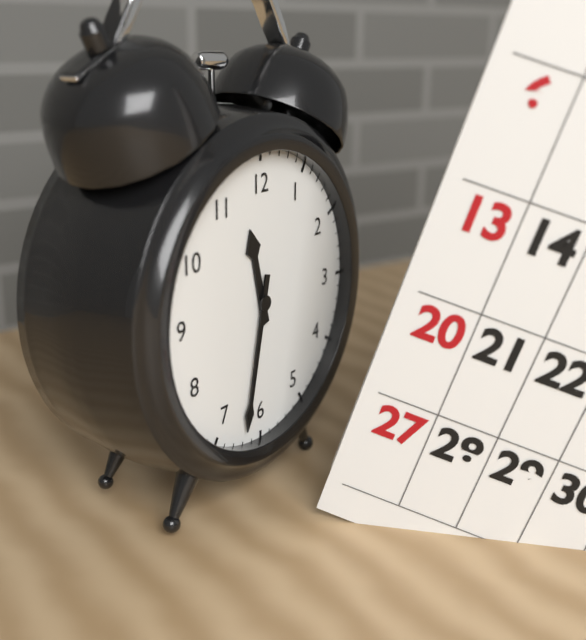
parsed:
11 h 32 min
